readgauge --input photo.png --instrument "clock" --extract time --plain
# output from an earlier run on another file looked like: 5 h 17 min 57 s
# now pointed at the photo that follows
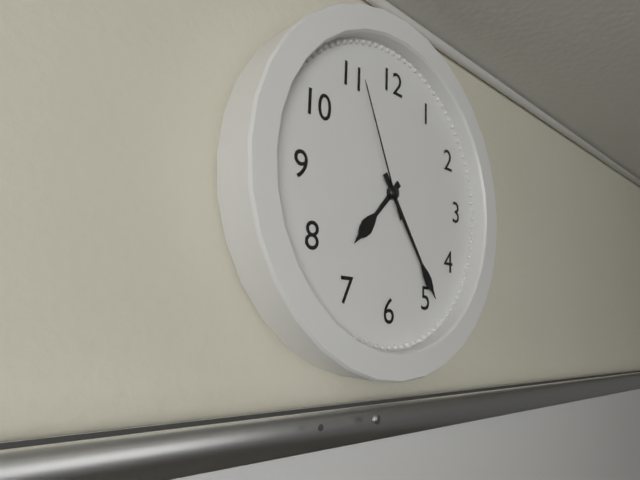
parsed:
7 h 24 min 56 s
